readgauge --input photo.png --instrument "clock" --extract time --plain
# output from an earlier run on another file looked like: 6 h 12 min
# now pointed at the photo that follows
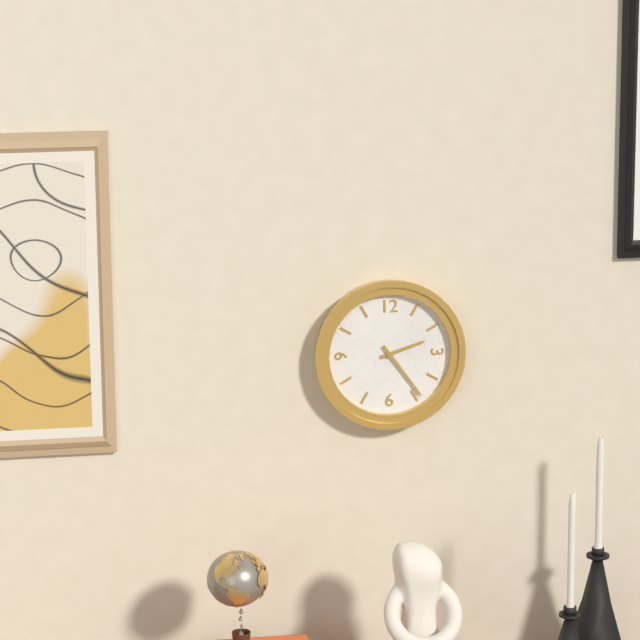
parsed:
2 h 24 min
